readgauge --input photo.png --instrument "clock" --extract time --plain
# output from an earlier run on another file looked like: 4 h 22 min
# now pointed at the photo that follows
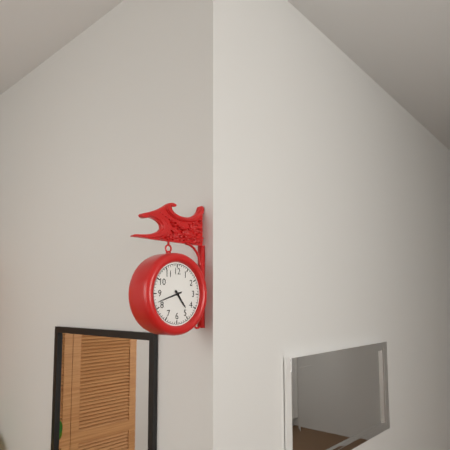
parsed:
4 h 42 min
